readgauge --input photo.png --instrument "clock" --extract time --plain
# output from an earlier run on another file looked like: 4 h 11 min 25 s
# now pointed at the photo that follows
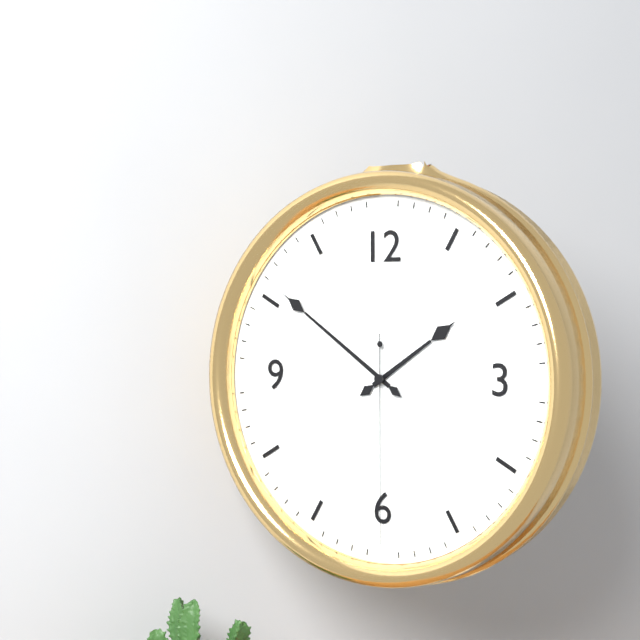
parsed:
1 h 51 min 30 s
